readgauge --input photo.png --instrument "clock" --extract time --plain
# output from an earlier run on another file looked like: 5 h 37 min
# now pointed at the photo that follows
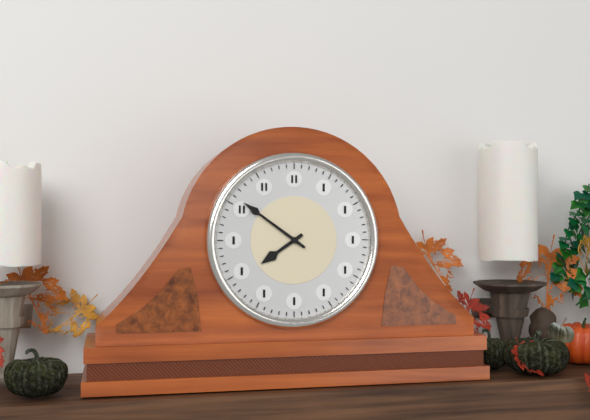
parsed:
7 h 51 min
